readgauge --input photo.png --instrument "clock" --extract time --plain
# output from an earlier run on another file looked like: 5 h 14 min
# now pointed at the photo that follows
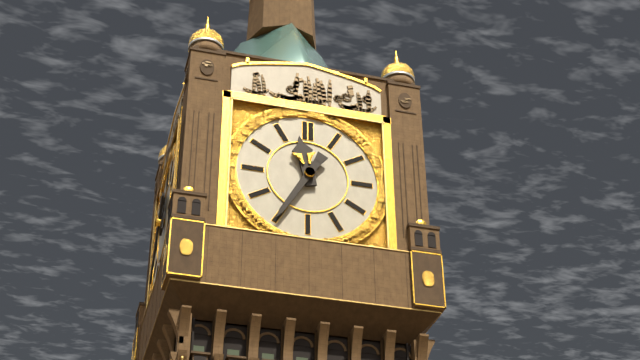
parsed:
11 h 35 min
